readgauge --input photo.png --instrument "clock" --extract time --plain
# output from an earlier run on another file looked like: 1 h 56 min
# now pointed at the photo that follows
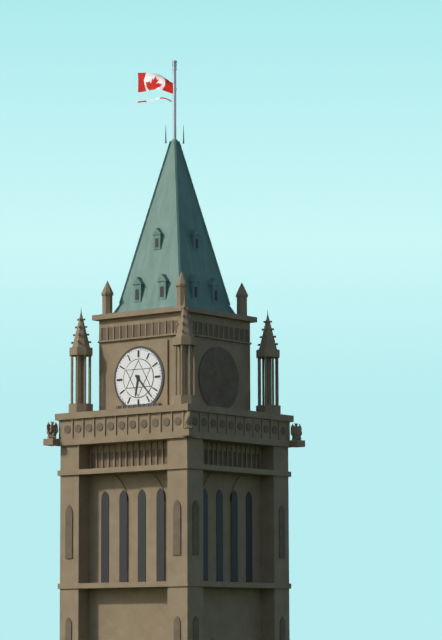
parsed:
6 h 23 min
